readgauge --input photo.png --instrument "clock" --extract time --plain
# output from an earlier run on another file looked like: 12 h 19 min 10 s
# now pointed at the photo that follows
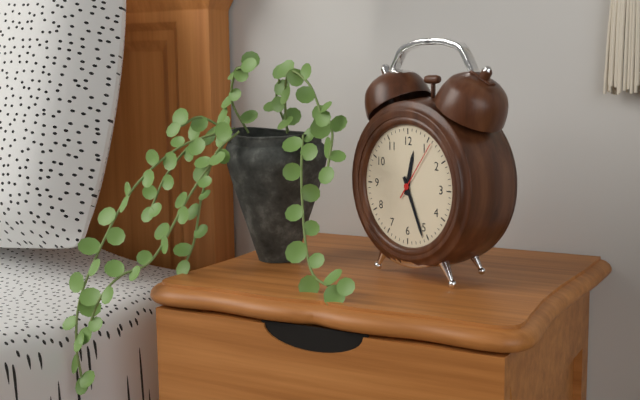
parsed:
12 h 26 min 06 s
